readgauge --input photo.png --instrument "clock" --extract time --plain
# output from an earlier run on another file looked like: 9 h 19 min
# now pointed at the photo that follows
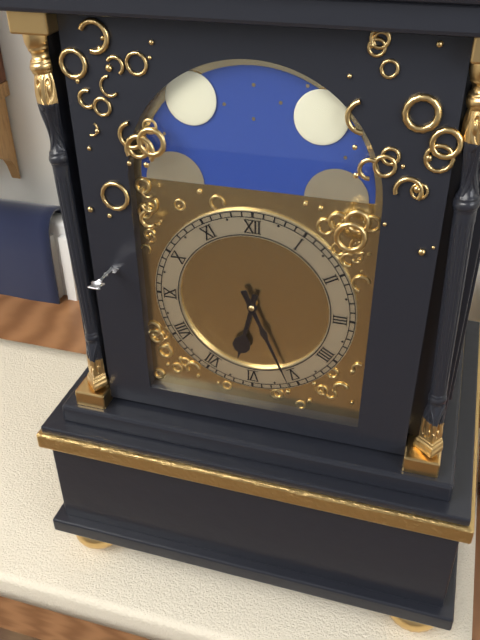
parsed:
6 h 26 min
